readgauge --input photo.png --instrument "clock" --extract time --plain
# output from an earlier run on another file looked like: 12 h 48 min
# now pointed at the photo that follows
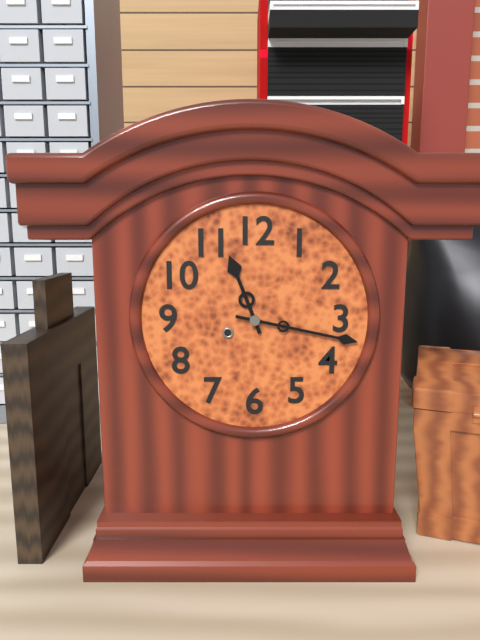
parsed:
11 h 17 min
